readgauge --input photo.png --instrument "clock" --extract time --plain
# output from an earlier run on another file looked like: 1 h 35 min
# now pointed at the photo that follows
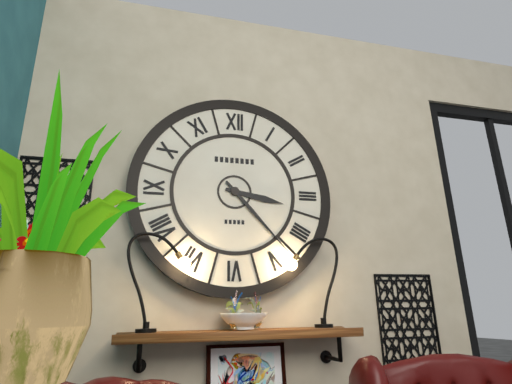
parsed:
3 h 23 min
